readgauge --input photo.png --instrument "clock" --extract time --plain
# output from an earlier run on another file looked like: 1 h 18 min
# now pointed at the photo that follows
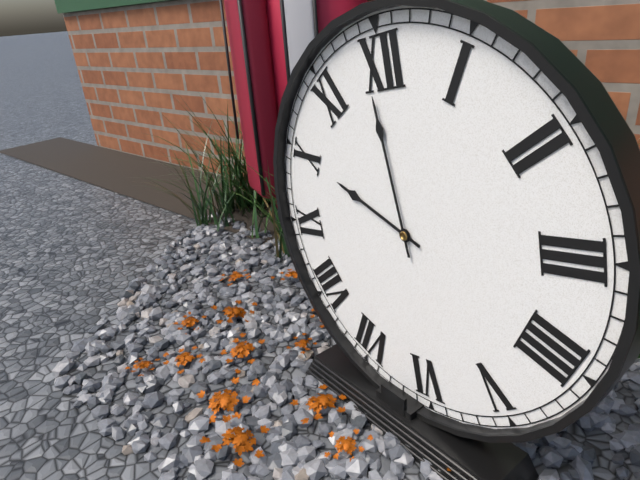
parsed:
9 h 59 min
